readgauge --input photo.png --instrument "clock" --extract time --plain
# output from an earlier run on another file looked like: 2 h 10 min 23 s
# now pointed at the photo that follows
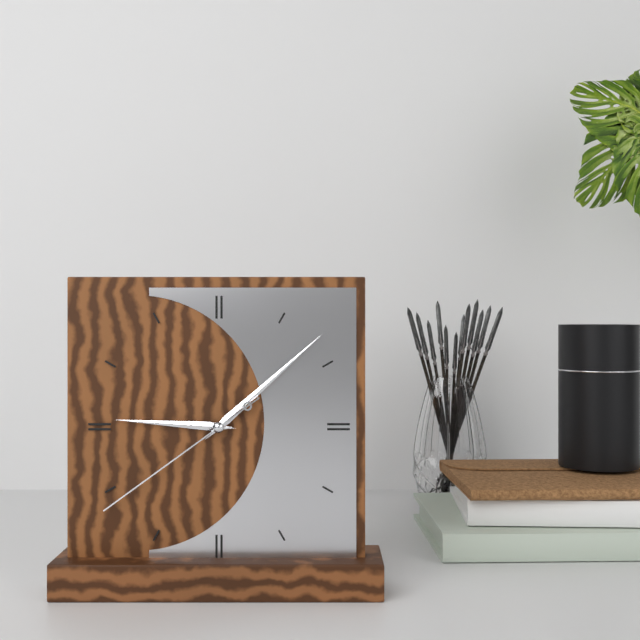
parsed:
9 h 08 min 39 s
